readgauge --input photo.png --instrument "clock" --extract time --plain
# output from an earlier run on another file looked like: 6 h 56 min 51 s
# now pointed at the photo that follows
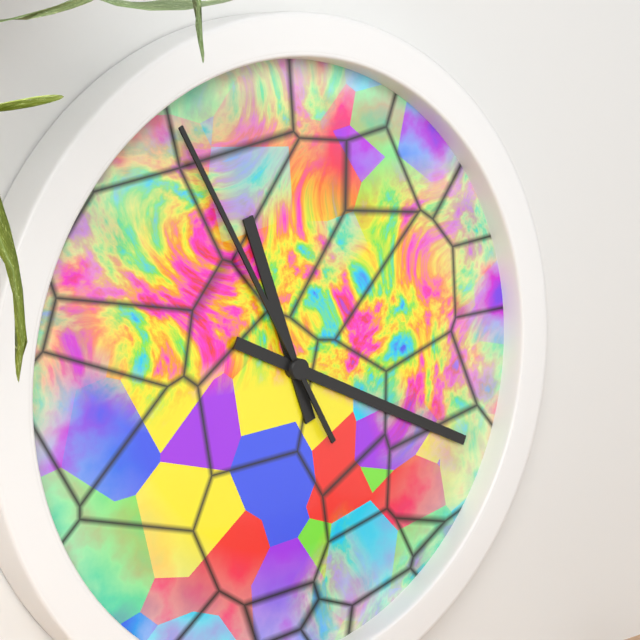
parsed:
11 h 19 min 55 s
